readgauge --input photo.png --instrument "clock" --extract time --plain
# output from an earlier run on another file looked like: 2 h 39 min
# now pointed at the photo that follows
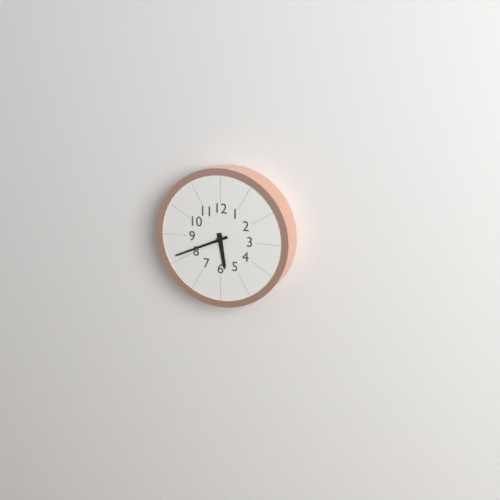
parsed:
5 h 41 min
